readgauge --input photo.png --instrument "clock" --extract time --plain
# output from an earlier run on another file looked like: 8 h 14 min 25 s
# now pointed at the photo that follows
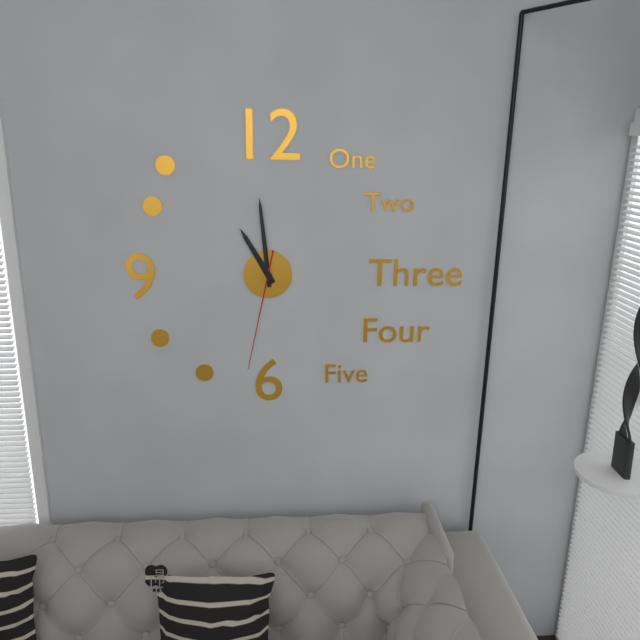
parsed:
10 h 59 min 32 s
